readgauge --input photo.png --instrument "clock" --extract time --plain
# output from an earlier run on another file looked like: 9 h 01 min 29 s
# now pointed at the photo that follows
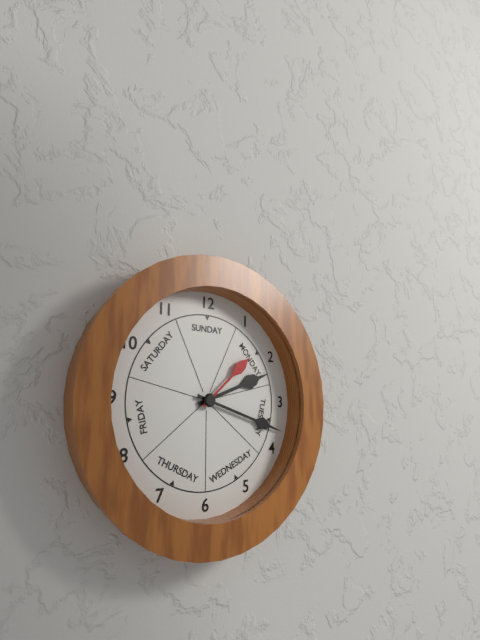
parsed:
2 h 18 min 08 s
